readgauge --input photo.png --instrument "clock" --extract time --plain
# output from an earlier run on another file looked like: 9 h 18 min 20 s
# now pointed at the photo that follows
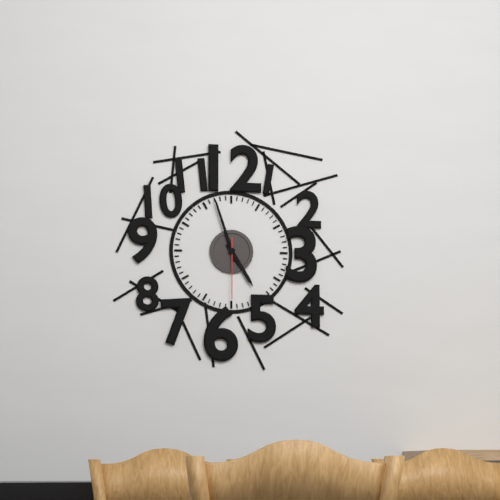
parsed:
4 h 57 min 30 s
